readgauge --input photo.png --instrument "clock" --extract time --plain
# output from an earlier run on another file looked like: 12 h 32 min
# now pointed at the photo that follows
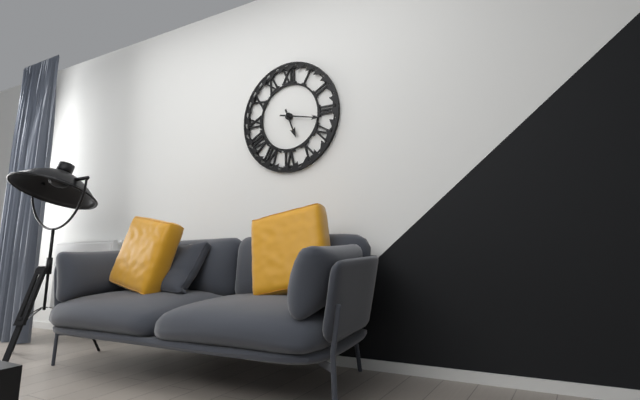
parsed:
5 h 17 min
